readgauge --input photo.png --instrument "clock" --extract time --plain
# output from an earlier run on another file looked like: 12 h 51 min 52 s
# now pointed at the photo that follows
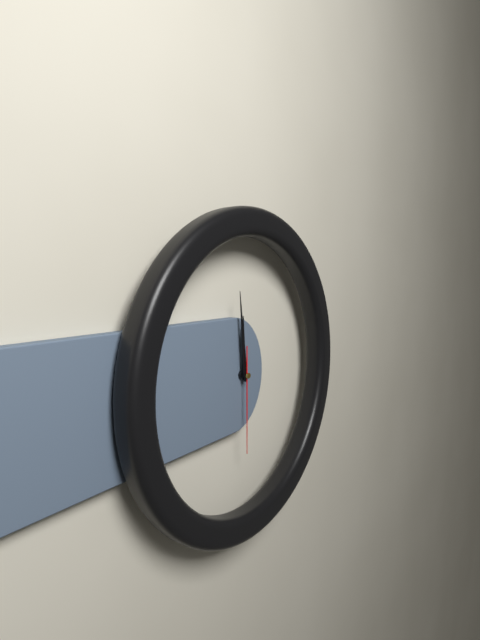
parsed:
11 h 59 min 30 s
